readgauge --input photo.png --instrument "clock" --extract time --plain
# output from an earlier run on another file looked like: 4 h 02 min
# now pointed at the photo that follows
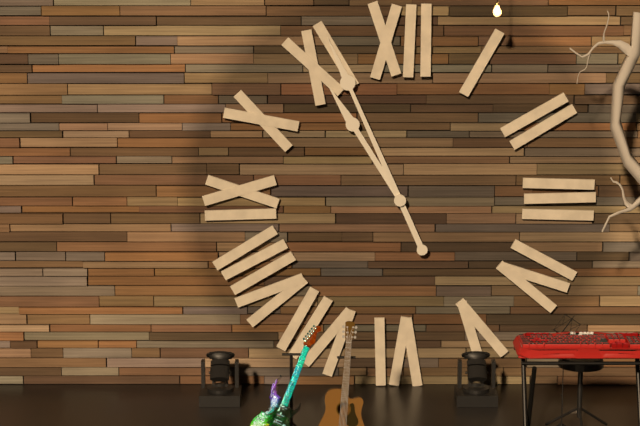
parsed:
10 h 56 min
